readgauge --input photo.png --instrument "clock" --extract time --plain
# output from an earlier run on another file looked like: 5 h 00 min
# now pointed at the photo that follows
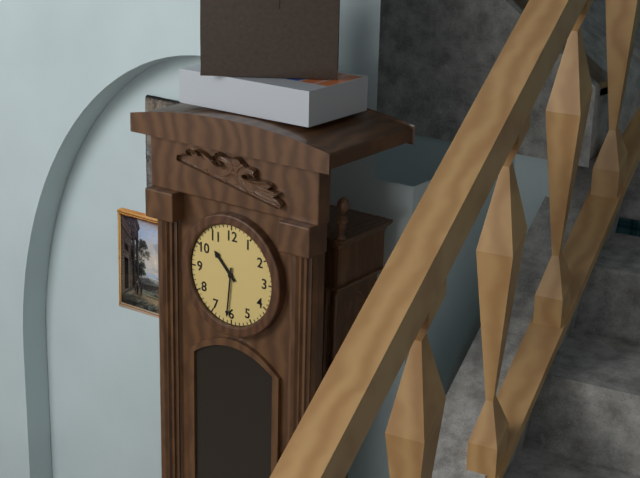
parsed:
10 h 31 min
